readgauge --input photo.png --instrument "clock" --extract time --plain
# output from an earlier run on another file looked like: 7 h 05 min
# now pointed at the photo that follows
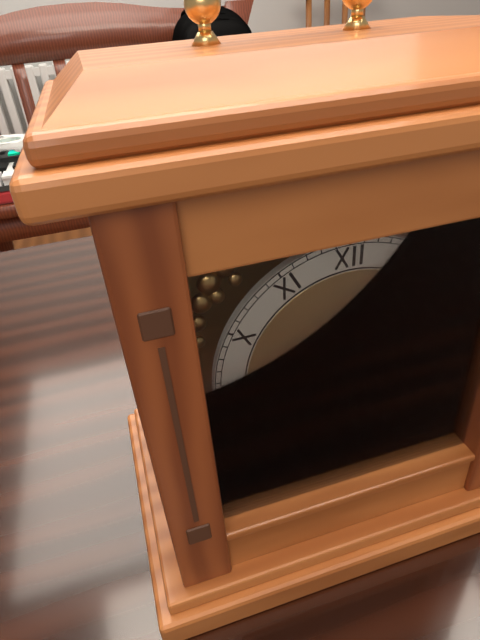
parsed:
8 h 39 min
